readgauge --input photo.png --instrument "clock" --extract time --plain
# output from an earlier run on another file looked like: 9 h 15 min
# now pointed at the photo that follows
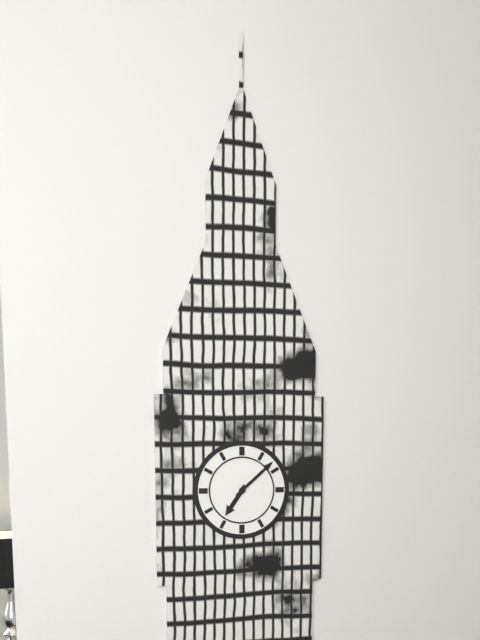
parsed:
7 h 08 min
